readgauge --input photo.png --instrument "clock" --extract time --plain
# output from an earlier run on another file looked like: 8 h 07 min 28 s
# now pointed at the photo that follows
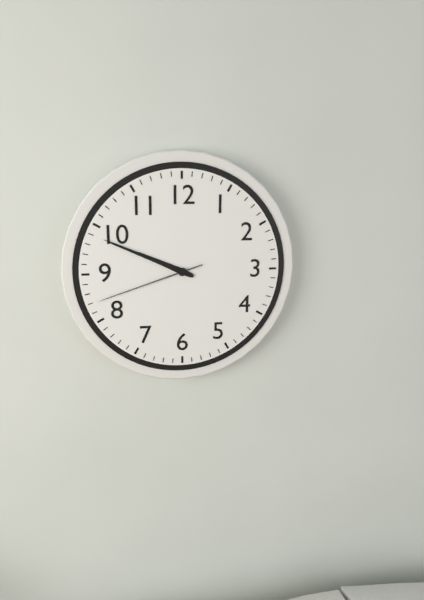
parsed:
9 h 49 min 42 s
